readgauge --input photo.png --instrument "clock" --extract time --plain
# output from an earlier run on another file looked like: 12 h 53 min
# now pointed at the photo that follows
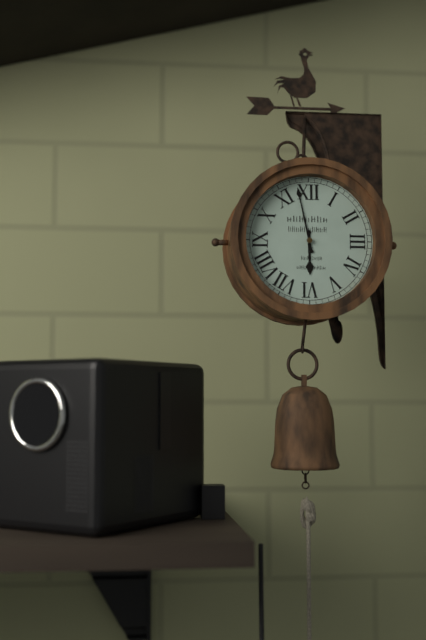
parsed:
5 h 58 min
